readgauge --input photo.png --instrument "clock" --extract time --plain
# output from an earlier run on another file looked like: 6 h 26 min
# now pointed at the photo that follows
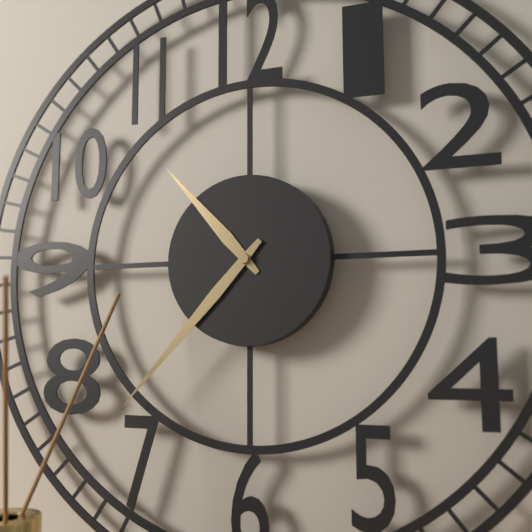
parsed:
10 h 37 min
